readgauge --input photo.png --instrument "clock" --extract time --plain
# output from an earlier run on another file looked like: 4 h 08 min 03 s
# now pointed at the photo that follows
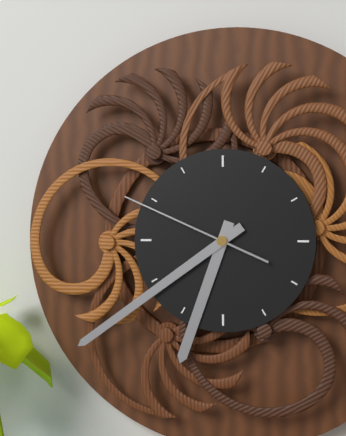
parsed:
6 h 39 min 49 s
